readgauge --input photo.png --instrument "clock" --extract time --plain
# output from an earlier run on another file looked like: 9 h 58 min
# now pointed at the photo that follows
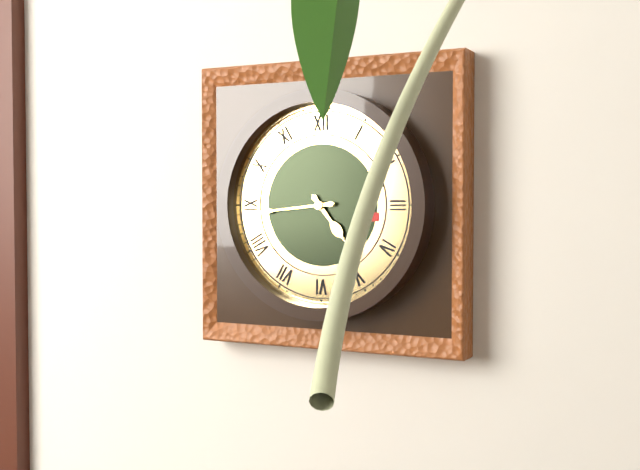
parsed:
4 h 44 min
